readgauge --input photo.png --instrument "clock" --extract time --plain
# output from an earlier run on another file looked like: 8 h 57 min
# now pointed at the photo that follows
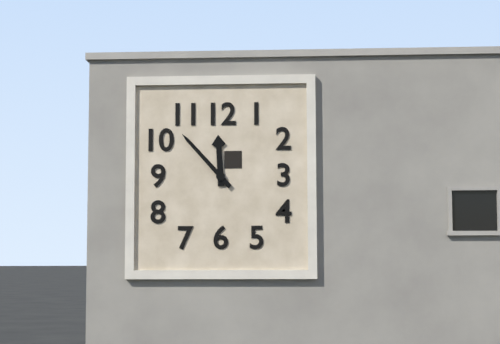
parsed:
11 h 53 min
